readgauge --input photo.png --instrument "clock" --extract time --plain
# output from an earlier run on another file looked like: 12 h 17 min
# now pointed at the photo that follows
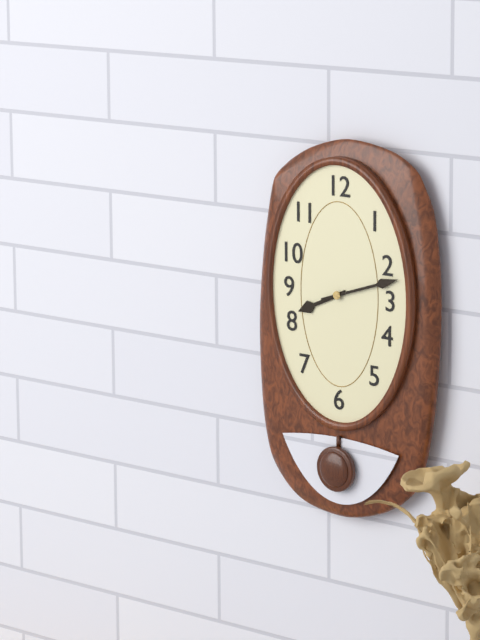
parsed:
8 h 12 min
